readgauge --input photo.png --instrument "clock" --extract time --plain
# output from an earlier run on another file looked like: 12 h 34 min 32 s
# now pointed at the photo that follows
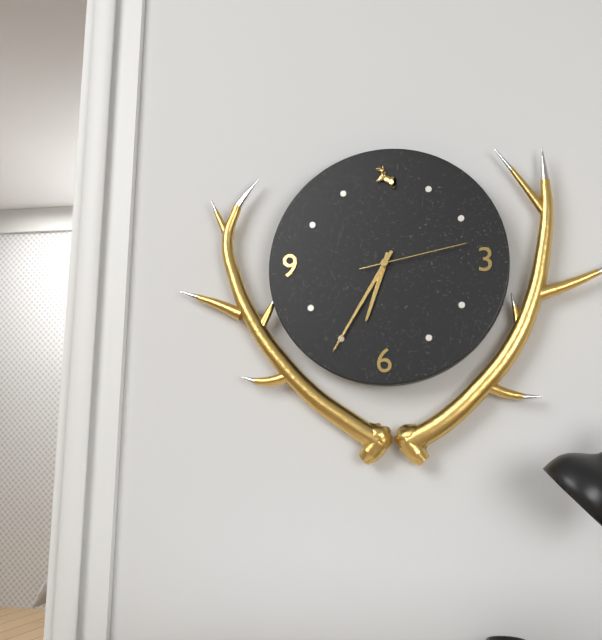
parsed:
6 h 35 min 13 s
